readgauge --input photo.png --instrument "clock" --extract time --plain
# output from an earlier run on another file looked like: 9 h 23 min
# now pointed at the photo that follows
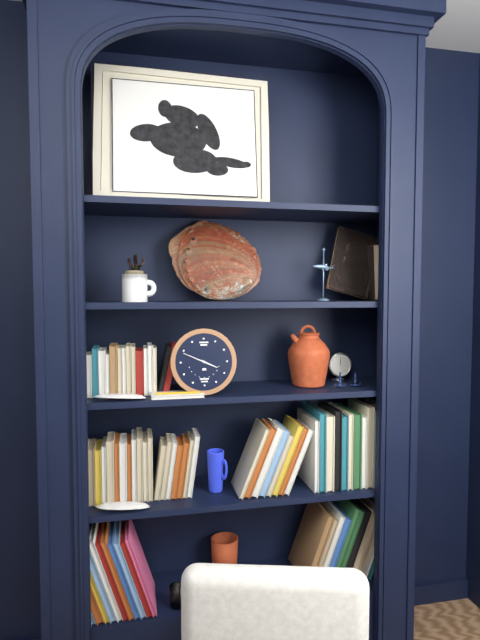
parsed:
3 h 49 min
